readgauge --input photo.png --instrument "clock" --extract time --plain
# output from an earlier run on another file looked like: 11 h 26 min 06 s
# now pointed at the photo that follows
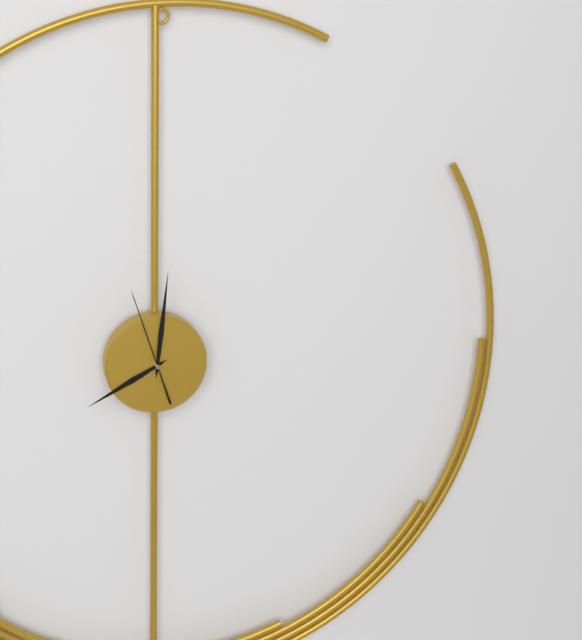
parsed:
8 h 01 min 57 s
